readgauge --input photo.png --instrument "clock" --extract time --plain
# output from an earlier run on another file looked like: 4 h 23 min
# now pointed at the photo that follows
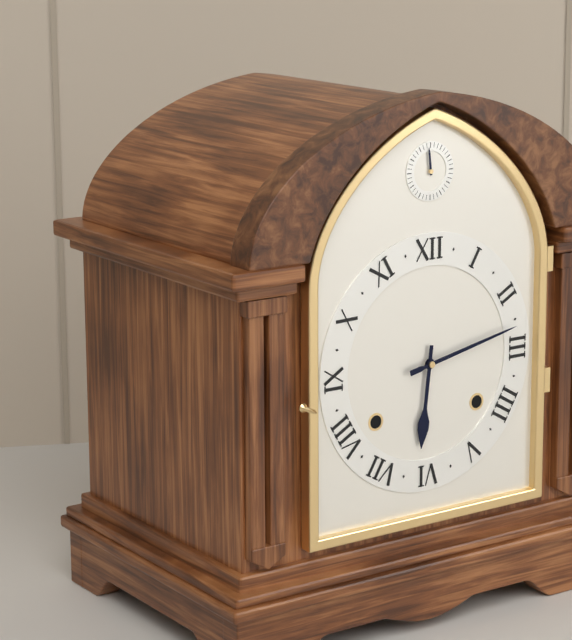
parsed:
6 h 13 min
